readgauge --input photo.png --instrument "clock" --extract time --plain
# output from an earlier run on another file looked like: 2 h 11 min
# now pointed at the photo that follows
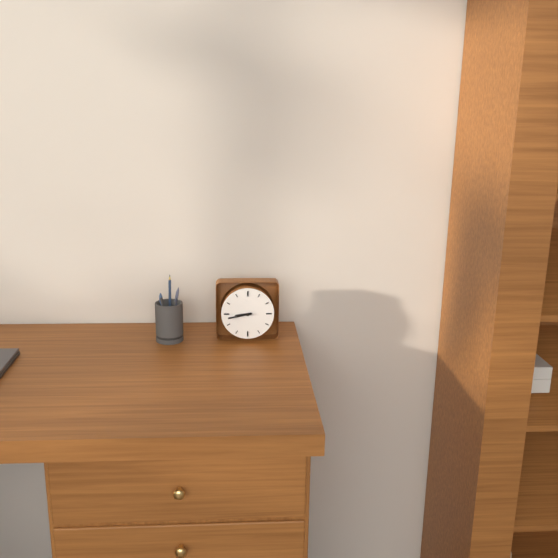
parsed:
8 h 43 min
